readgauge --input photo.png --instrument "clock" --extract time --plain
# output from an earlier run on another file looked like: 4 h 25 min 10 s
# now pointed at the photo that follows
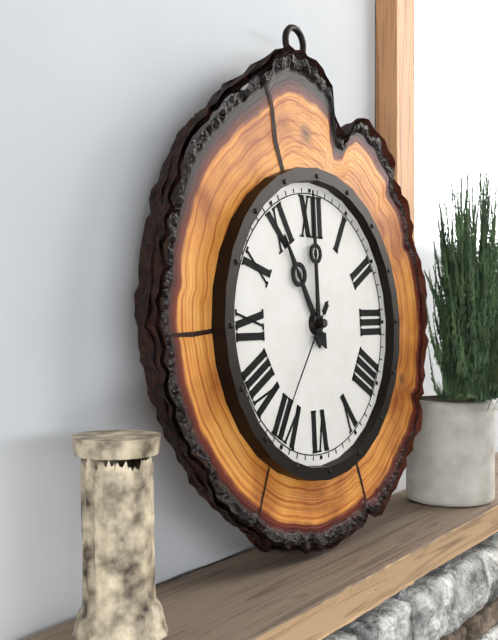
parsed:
11 h 00 min 36 s
